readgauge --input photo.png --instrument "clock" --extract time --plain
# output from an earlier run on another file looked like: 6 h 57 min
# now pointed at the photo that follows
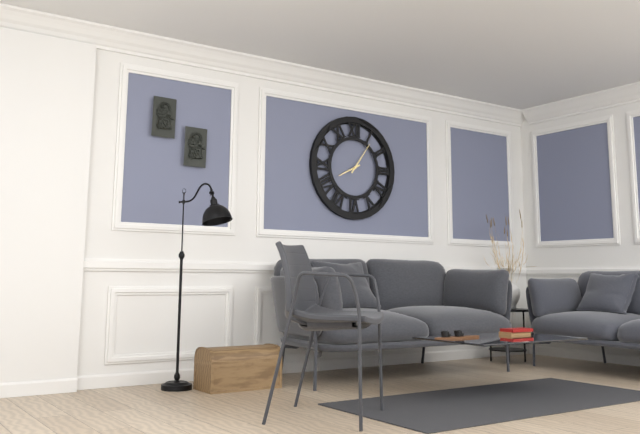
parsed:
8 h 06 min
